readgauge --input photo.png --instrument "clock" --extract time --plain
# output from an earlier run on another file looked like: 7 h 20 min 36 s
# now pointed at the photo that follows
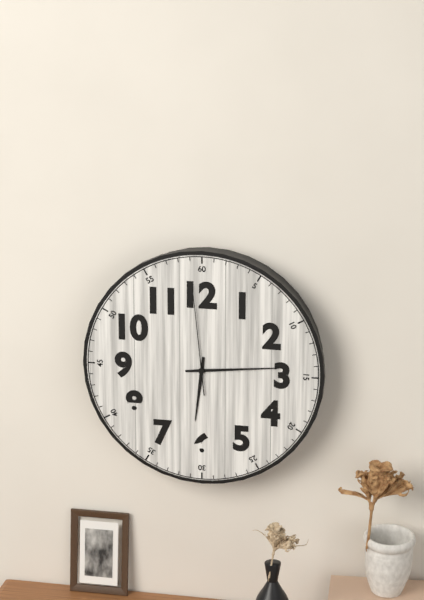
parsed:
6 h 14 min 59 s
